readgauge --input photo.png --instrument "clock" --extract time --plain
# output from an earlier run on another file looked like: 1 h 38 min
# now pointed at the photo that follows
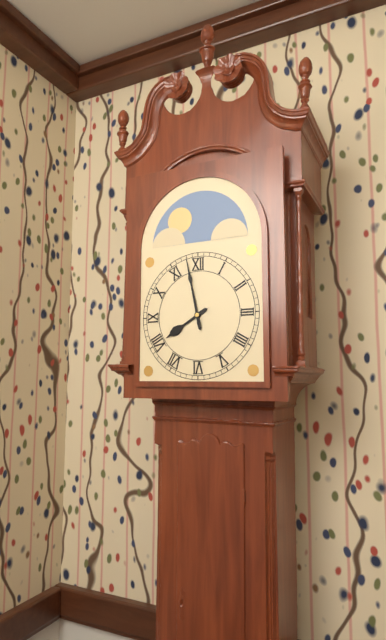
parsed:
7 h 58 min
